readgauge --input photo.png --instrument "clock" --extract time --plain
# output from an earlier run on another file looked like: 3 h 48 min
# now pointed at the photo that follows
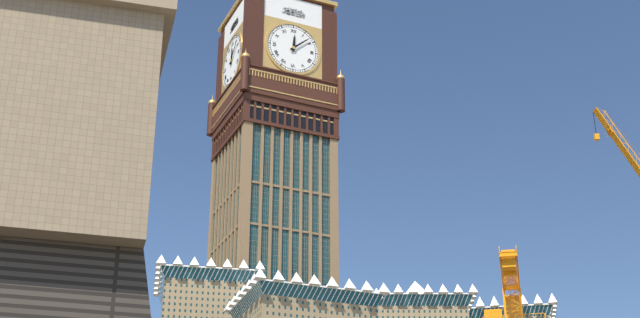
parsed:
12 h 08 min
